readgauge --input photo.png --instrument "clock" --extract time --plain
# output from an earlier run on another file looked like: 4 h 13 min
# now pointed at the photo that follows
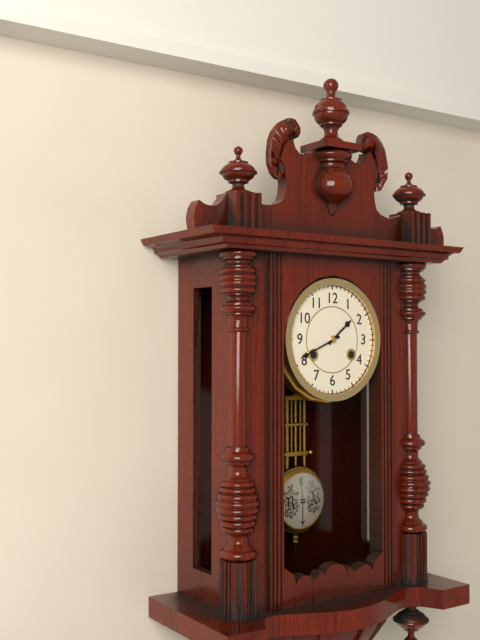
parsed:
1 h 41 min
